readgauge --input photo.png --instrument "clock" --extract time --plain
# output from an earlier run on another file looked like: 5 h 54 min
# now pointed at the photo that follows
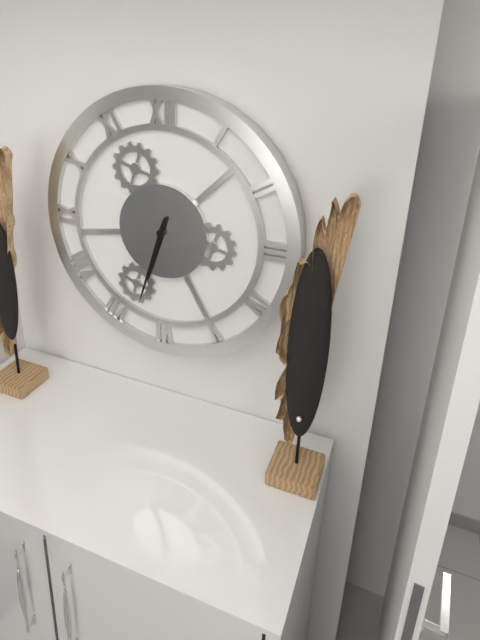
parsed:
6 h 33 min
